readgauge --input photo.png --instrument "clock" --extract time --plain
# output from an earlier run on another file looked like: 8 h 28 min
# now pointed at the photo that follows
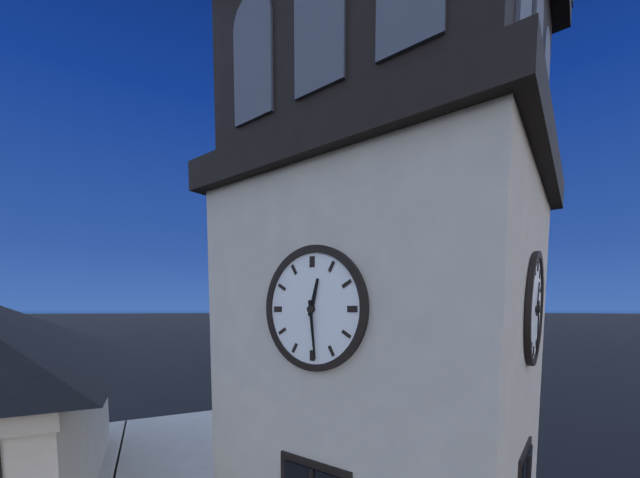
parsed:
12 h 29 min
